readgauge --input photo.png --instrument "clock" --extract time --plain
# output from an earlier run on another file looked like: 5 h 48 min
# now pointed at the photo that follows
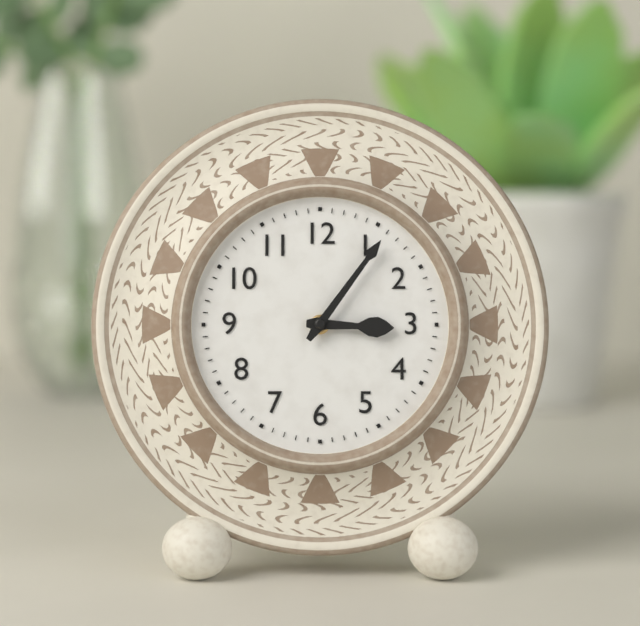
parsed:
3 h 06 min
